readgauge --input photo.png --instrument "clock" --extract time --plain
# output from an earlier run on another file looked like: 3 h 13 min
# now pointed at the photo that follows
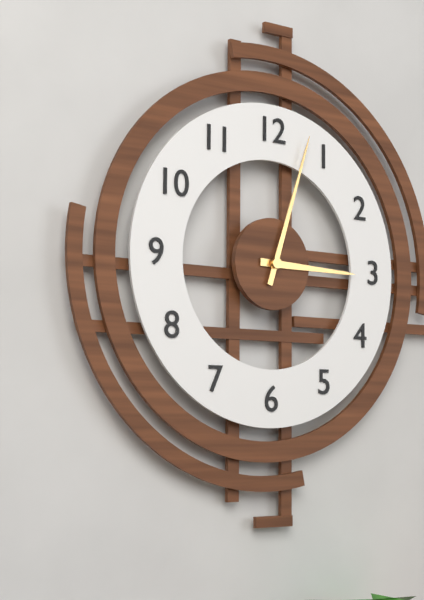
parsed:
3 h 03 min
